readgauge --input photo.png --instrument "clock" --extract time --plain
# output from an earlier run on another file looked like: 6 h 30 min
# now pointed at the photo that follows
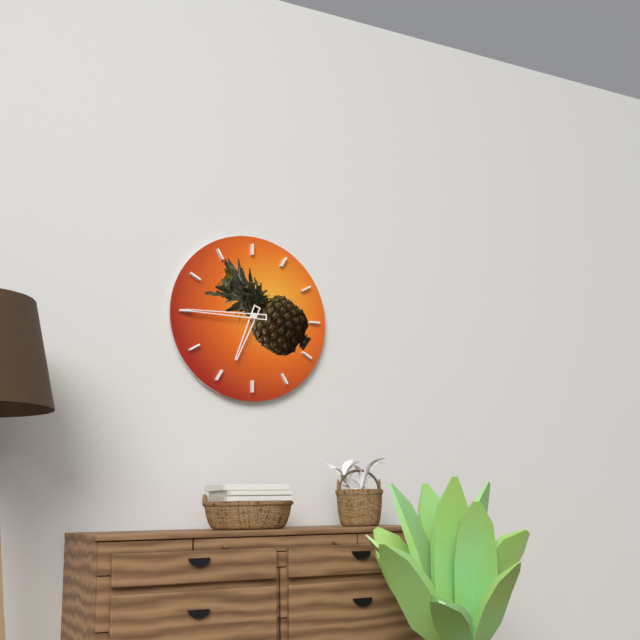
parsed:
6 h 45 min
